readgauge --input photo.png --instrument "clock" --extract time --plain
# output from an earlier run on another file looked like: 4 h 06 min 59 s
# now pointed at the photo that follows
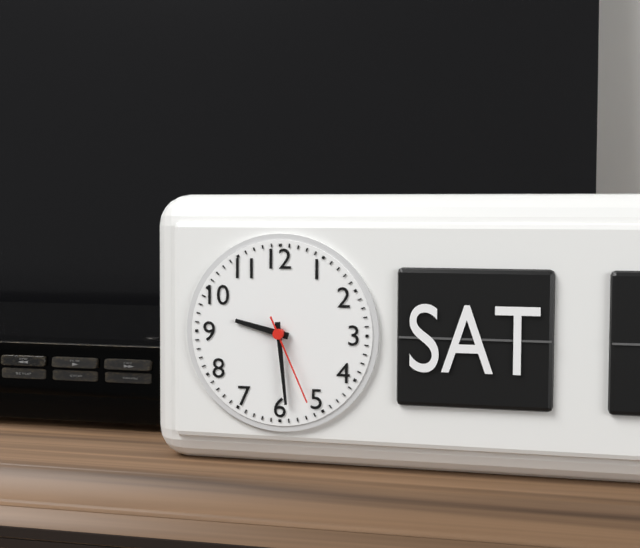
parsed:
9 h 29 min 26 s
